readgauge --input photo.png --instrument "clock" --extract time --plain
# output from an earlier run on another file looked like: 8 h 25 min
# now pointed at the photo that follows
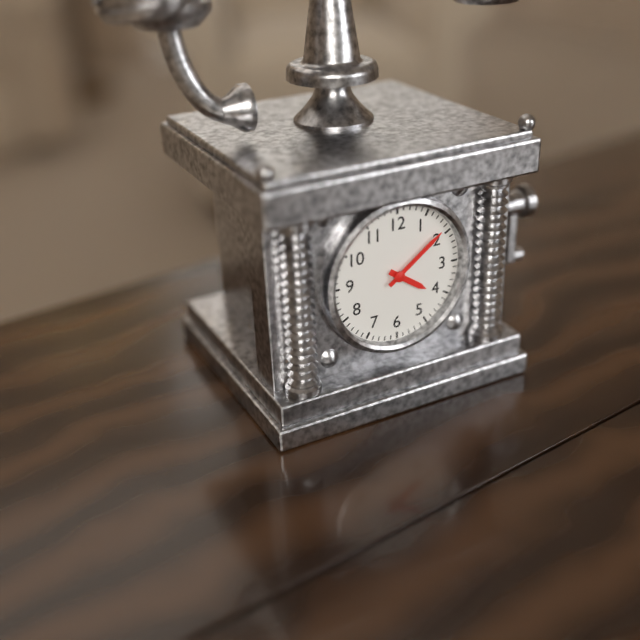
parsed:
4 h 09 min
